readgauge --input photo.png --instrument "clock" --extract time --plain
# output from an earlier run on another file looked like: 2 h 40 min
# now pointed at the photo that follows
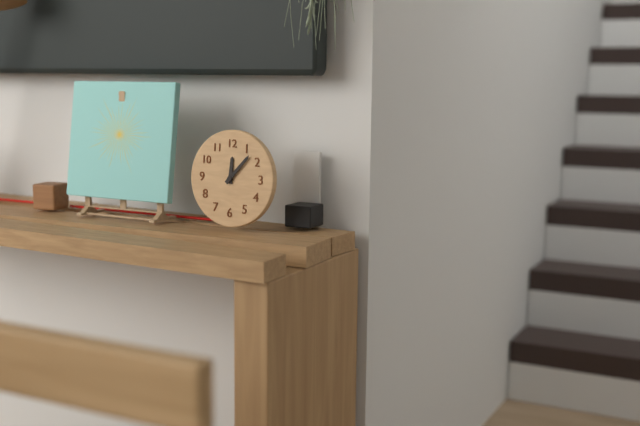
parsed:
12 h 07 min
